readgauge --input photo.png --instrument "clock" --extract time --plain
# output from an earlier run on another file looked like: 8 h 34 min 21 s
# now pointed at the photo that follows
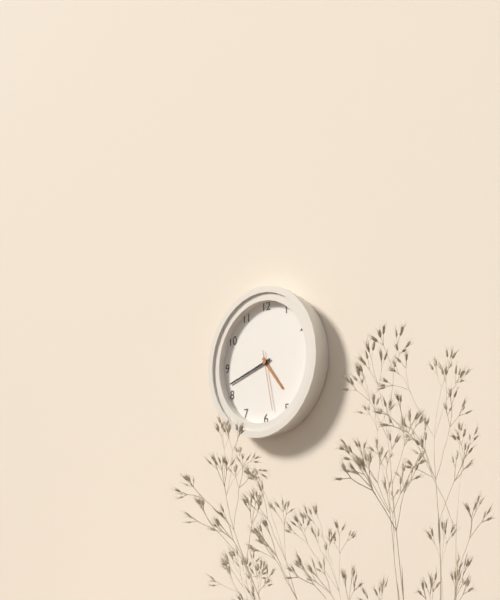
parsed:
4 h 42 min 28 s
